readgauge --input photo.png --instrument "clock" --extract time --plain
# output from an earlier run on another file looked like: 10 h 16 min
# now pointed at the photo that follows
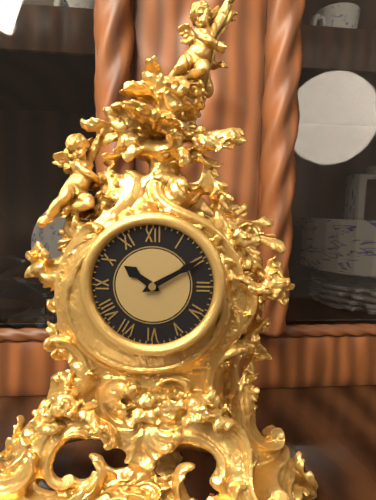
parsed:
10 h 10 min
